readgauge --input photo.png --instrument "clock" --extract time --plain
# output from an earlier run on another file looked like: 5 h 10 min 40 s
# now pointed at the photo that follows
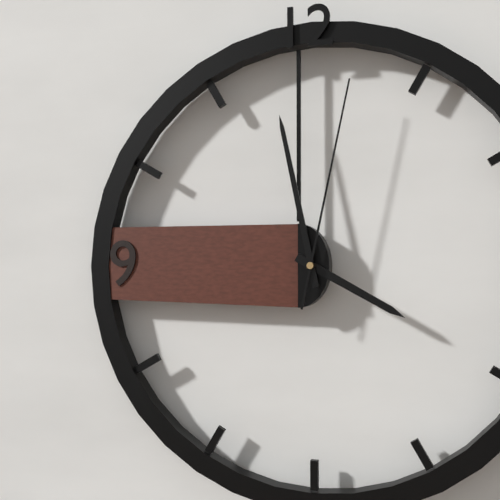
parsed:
3 h 58 min 02 s
